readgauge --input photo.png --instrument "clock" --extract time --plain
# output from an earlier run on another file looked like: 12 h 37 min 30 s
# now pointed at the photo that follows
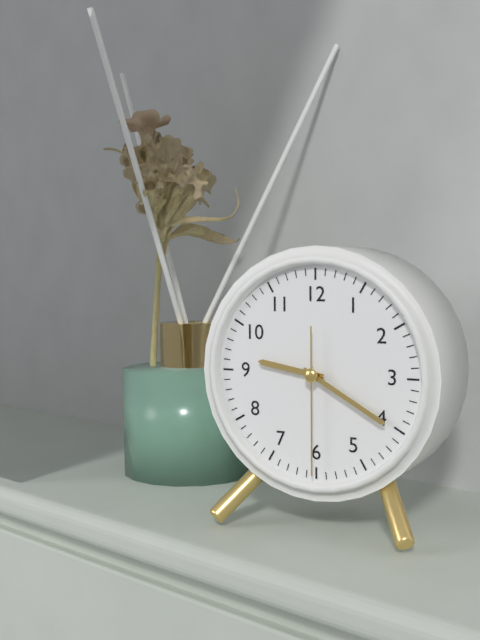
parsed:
9 h 20 min 30 s
